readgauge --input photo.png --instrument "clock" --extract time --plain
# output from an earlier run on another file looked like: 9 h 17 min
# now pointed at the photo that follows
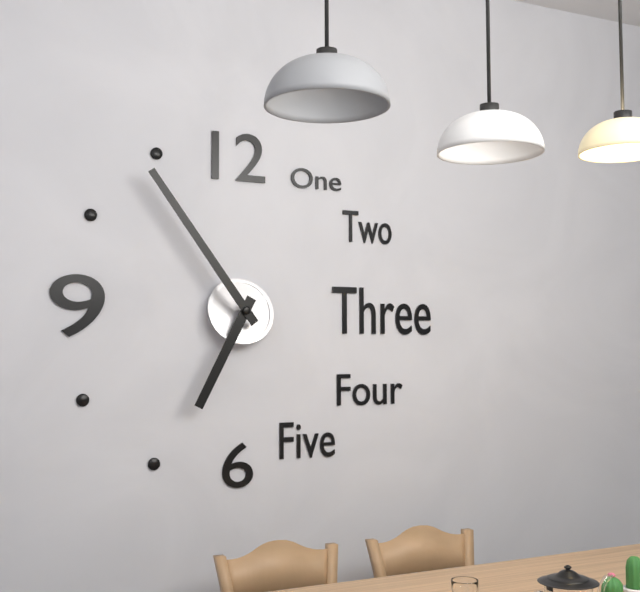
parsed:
6 h 54 min
